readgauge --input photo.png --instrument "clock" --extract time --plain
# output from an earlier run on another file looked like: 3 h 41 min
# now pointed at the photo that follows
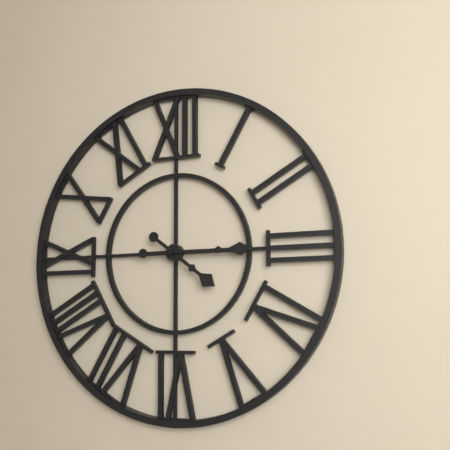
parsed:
4 h 15 min
